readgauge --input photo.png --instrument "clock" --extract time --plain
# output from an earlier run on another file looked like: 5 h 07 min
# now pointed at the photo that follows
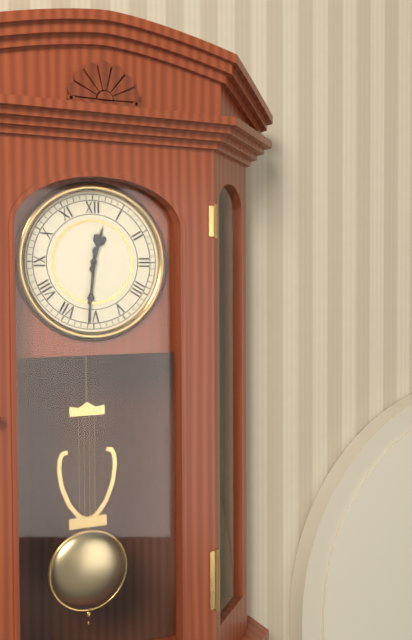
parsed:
12 h 31 min
